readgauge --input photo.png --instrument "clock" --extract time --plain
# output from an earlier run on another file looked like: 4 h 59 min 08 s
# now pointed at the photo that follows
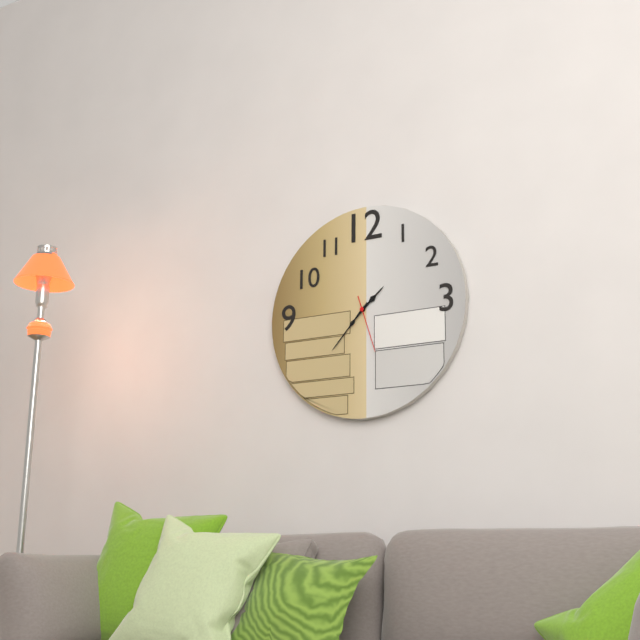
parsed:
1 h 37 min 27 s
